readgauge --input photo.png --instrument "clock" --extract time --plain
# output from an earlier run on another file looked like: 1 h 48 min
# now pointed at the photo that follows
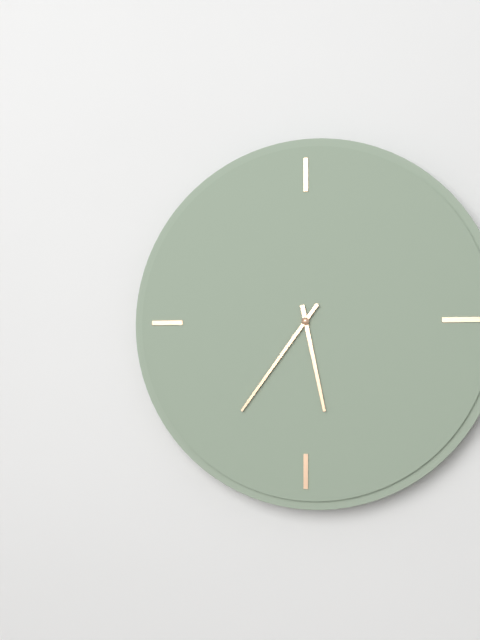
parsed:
5 h 36 min
